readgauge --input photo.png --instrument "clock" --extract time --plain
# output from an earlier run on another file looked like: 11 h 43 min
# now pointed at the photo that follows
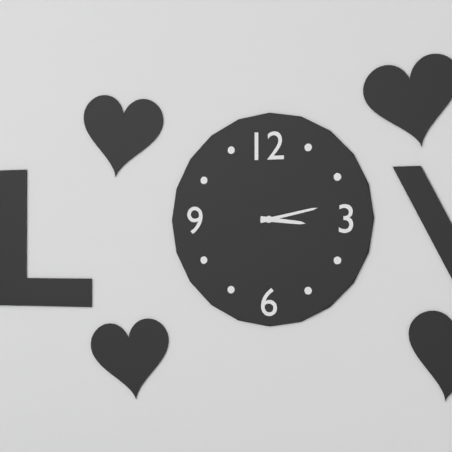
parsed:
3 h 13 min
